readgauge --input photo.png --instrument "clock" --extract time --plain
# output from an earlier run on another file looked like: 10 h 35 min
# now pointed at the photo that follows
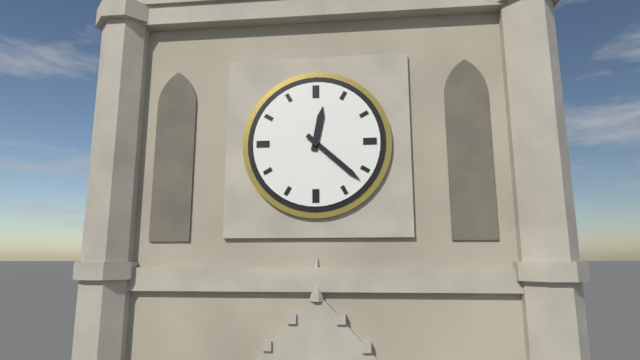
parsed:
12 h 22 min
